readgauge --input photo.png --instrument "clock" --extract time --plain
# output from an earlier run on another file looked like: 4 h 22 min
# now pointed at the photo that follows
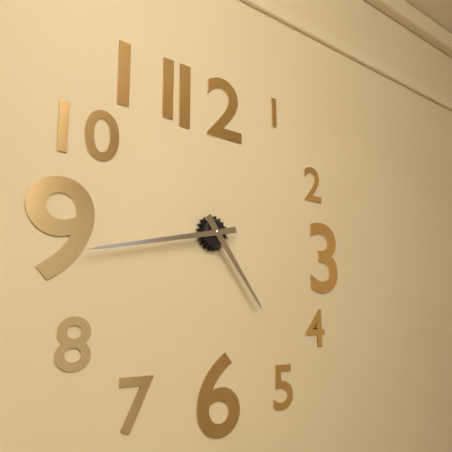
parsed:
4 h 43 min
